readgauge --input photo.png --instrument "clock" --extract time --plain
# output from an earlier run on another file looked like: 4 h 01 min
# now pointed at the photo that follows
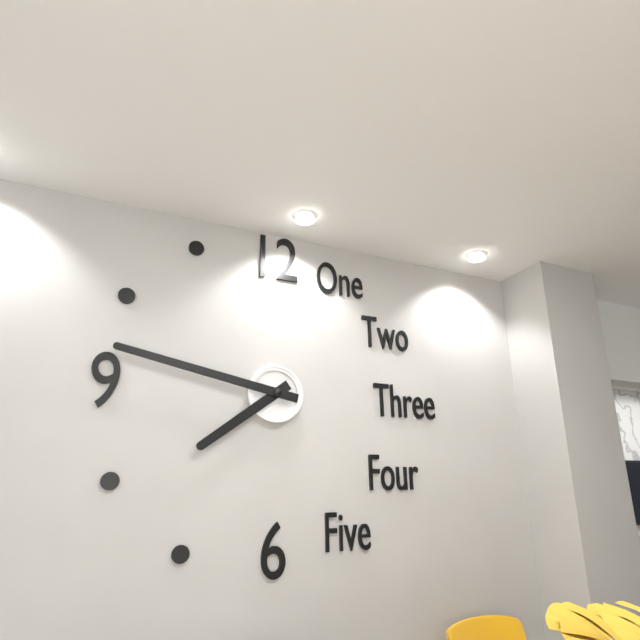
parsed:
7 h 47 min
